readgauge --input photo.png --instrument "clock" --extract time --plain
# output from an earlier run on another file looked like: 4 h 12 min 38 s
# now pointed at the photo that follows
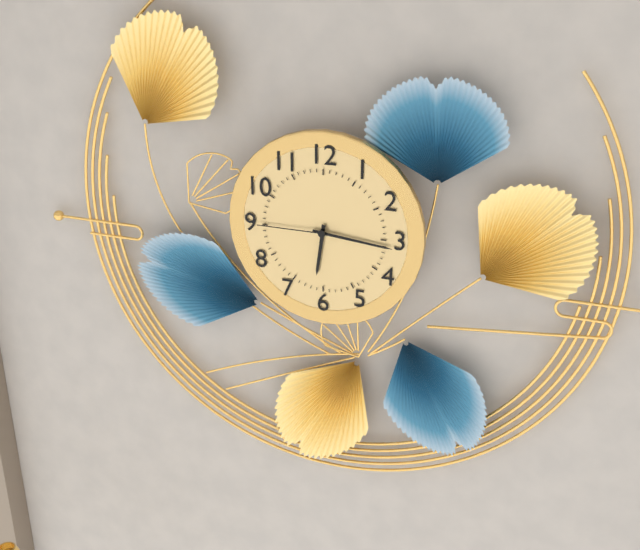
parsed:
6 h 16 min 45 s
